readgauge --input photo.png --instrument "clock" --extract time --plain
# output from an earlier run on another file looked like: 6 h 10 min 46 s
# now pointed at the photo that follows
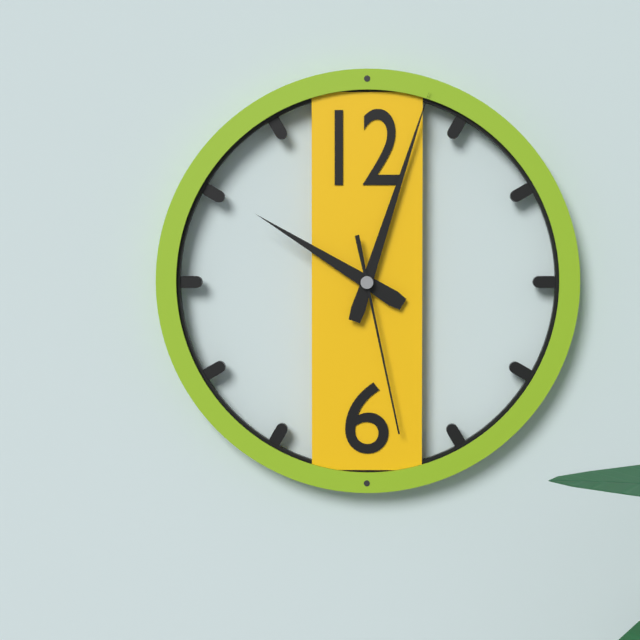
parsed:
10 h 03 min 28 s
